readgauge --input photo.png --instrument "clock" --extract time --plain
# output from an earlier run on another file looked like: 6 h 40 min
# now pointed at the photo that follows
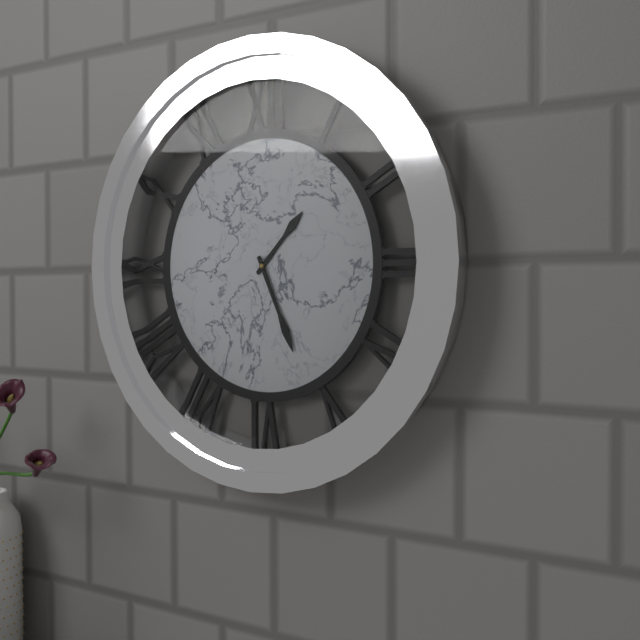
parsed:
1 h 26 min
